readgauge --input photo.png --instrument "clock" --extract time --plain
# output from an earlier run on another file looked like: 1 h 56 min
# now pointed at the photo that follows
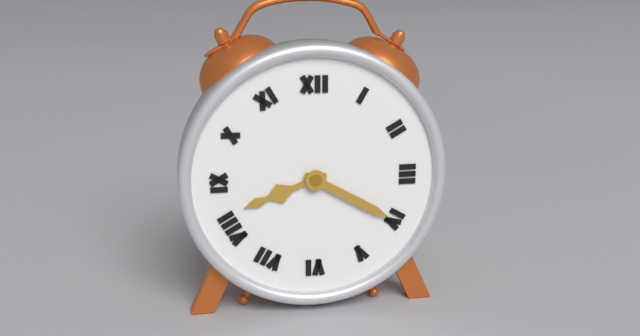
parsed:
8 h 20 min
